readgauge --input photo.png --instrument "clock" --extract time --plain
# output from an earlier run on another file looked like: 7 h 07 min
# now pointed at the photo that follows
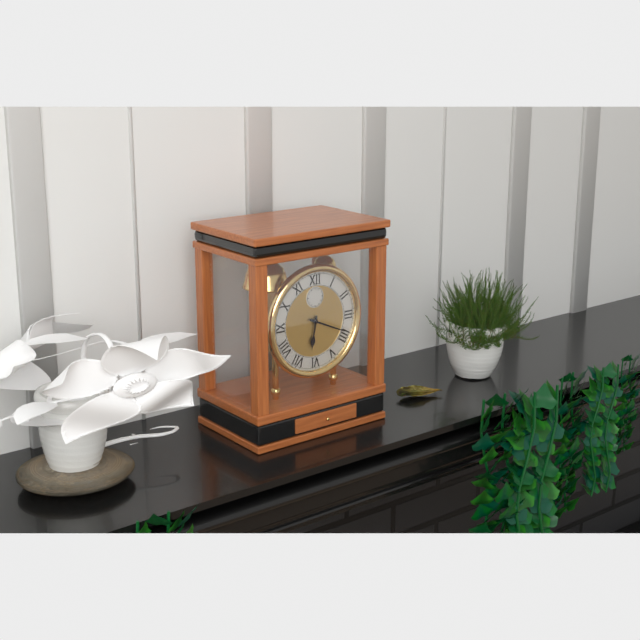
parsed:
6 h 19 min
